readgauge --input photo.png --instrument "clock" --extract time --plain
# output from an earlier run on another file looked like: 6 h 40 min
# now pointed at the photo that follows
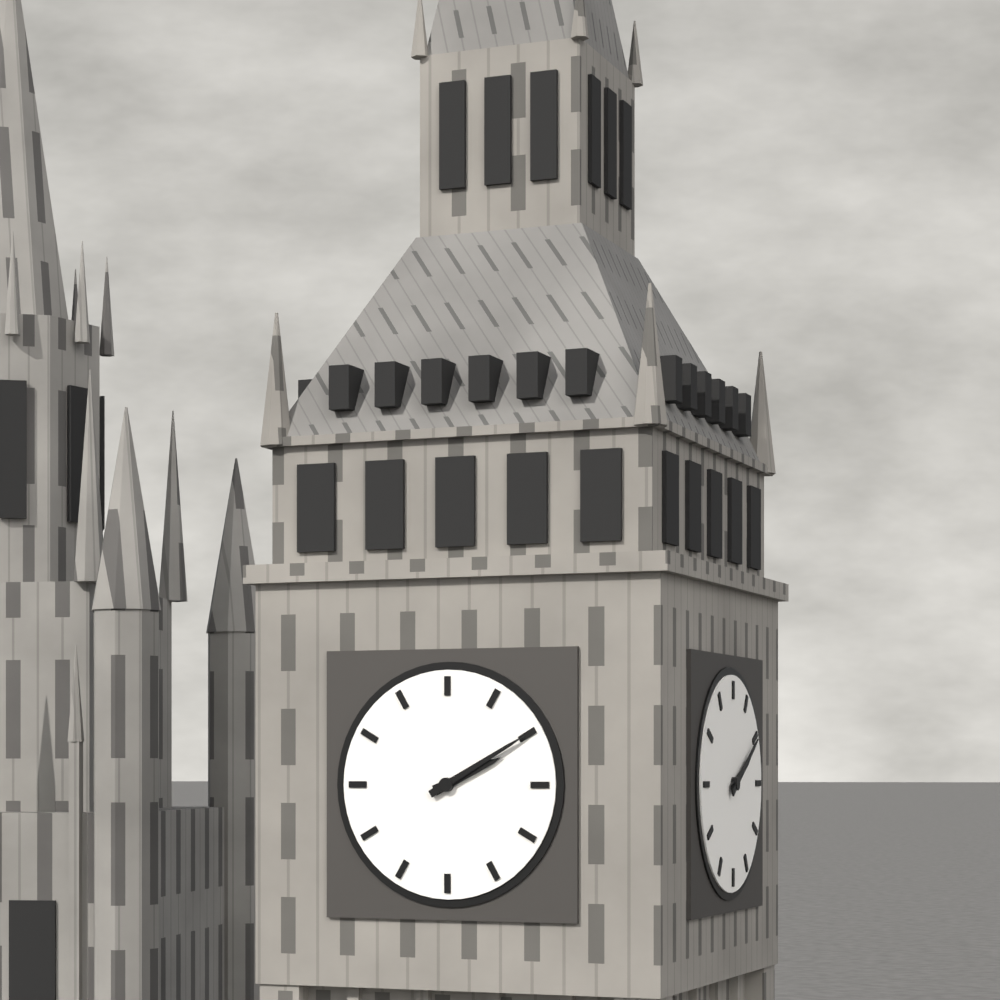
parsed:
2 h 10 min
